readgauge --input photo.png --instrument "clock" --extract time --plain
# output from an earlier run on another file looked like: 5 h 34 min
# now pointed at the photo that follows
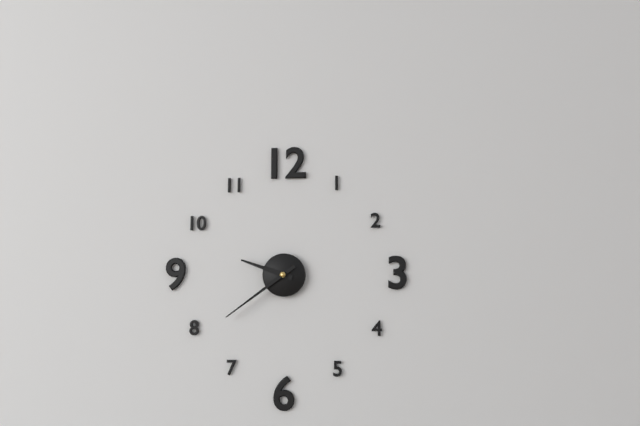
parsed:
9 h 39 min
